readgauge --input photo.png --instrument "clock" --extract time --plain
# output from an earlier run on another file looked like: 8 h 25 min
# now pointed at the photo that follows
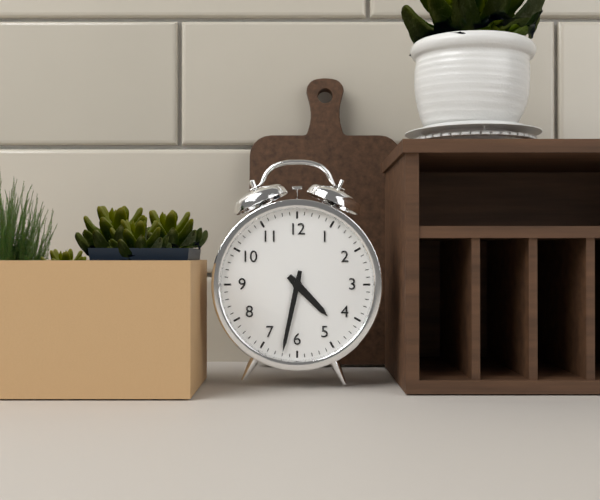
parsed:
4 h 32 min
